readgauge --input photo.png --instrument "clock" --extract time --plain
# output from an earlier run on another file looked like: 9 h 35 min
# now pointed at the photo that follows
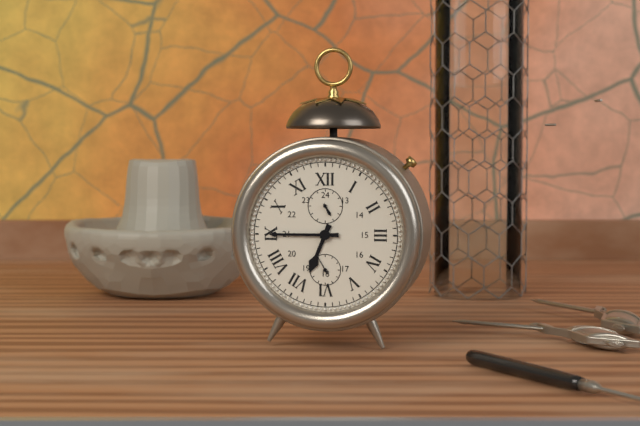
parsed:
6 h 45 min
